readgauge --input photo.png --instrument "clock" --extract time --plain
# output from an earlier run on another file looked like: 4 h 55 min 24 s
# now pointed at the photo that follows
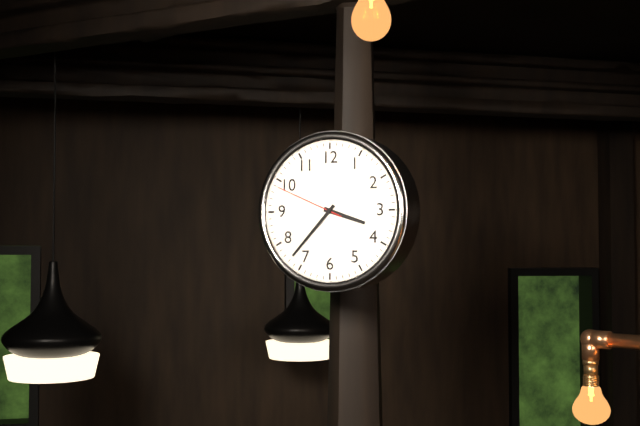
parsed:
3 h 37 min 49 s
